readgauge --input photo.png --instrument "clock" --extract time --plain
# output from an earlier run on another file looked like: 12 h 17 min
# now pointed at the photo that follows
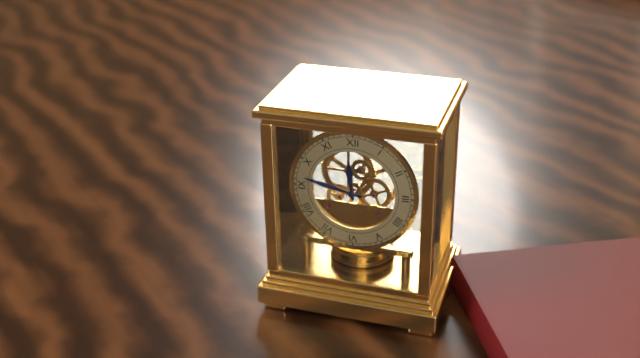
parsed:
11 h 47 min
